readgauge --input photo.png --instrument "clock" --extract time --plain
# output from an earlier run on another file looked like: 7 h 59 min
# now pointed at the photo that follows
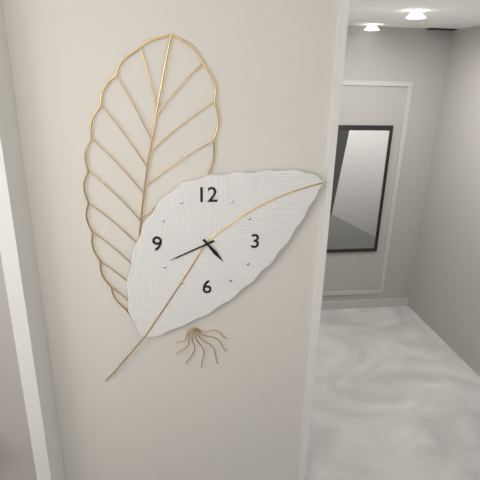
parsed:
4 h 41 min
